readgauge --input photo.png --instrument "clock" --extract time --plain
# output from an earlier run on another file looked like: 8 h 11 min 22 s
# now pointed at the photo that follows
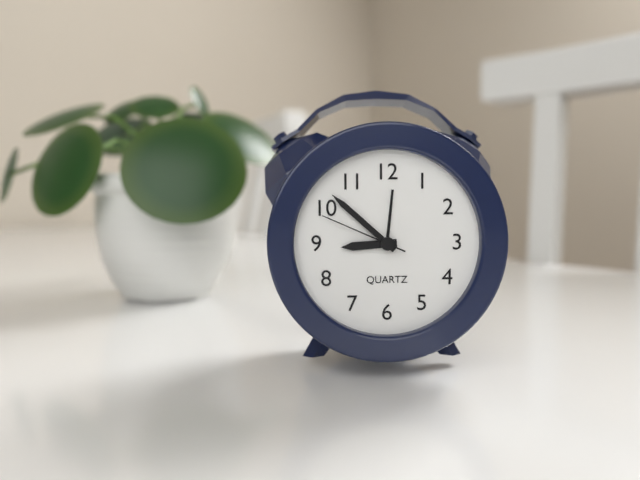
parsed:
8 h 52 min 49 s
